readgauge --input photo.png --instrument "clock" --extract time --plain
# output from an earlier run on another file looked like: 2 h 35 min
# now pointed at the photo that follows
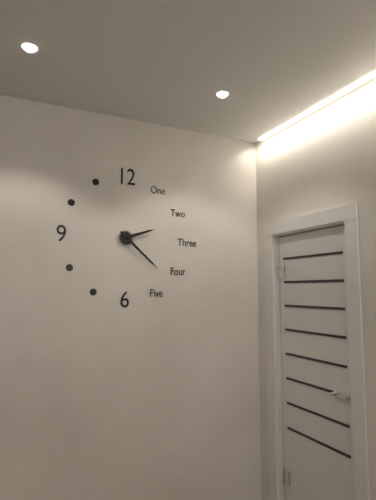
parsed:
2 h 22 min
